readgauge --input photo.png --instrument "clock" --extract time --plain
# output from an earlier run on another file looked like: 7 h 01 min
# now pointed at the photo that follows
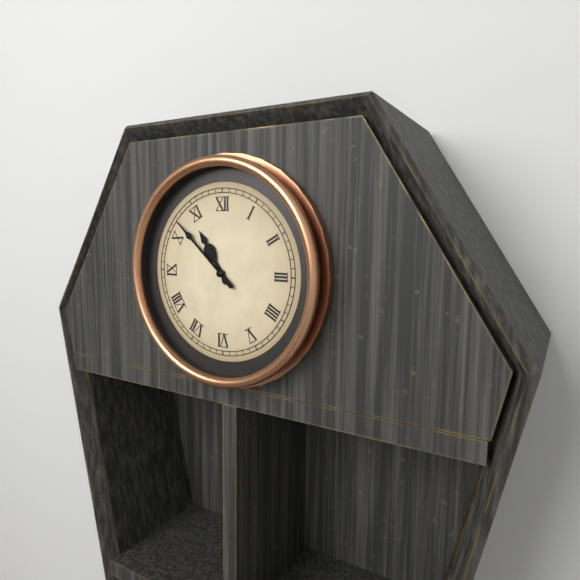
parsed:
10 h 52 min
